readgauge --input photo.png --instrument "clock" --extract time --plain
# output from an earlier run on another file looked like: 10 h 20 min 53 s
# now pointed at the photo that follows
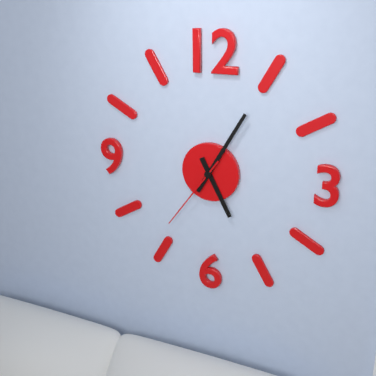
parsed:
5 h 05 min 36 s
